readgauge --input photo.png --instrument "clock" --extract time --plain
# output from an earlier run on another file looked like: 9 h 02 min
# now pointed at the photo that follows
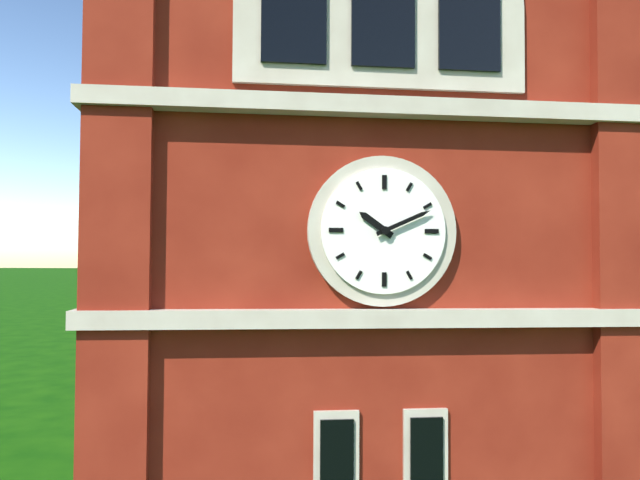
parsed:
10 h 11 min
